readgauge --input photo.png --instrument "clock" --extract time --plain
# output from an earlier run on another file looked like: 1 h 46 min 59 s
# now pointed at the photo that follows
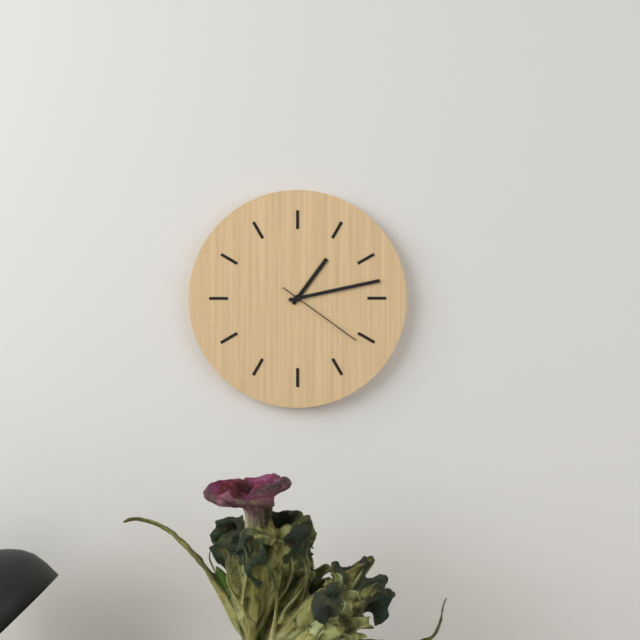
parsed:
1 h 13 min 21 s
